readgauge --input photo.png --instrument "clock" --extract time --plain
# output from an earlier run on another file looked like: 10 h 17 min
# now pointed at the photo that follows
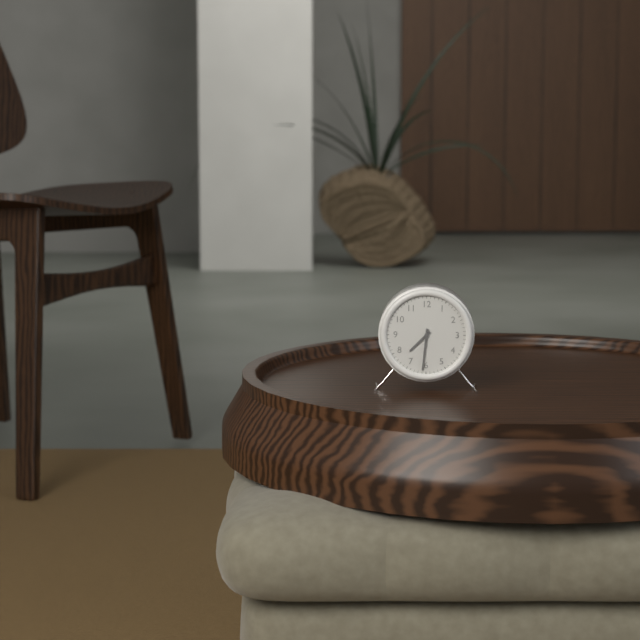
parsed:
7 h 31 min
